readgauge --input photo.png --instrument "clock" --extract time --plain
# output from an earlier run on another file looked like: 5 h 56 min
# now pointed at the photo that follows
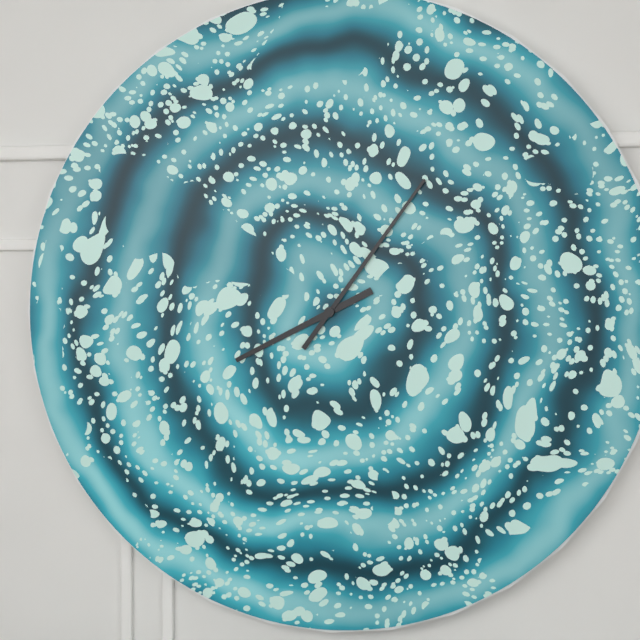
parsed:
8 h 06 min
